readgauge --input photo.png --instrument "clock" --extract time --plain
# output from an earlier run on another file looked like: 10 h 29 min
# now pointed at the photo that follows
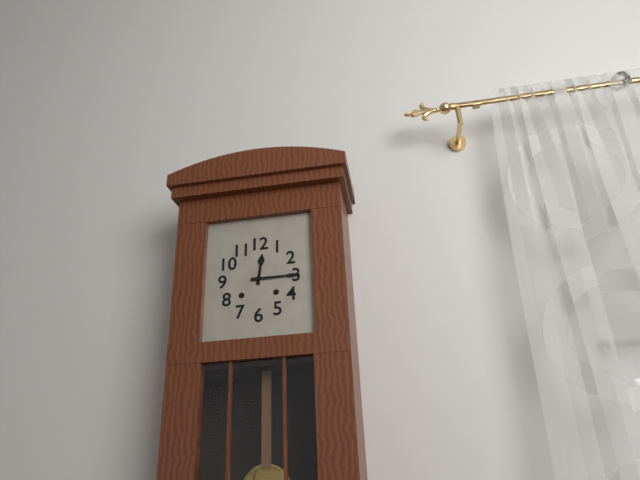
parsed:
12 h 15 min
